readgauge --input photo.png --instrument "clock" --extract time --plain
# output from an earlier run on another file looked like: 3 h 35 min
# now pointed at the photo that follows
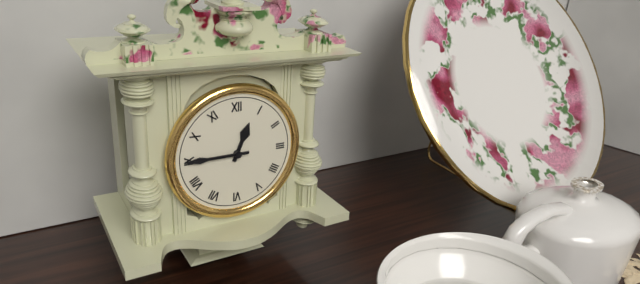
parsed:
12 h 45 min
